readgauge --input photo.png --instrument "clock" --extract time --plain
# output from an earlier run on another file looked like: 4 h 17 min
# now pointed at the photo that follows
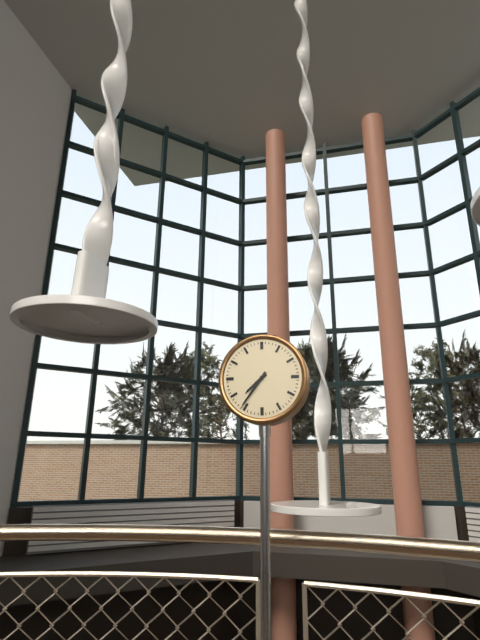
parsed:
7 h 36 min
